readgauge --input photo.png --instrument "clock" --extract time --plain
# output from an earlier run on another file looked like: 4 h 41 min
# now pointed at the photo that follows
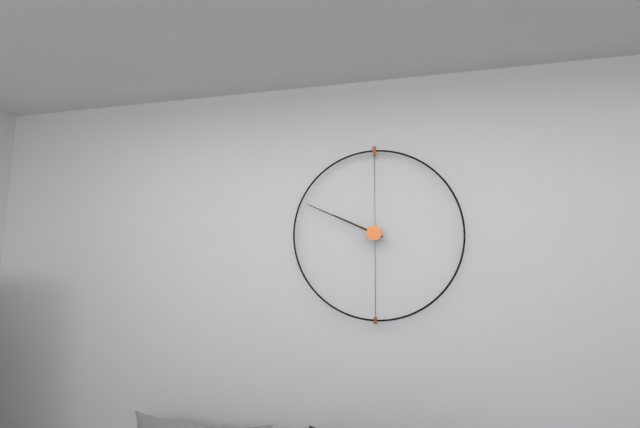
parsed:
9 h 49 min
